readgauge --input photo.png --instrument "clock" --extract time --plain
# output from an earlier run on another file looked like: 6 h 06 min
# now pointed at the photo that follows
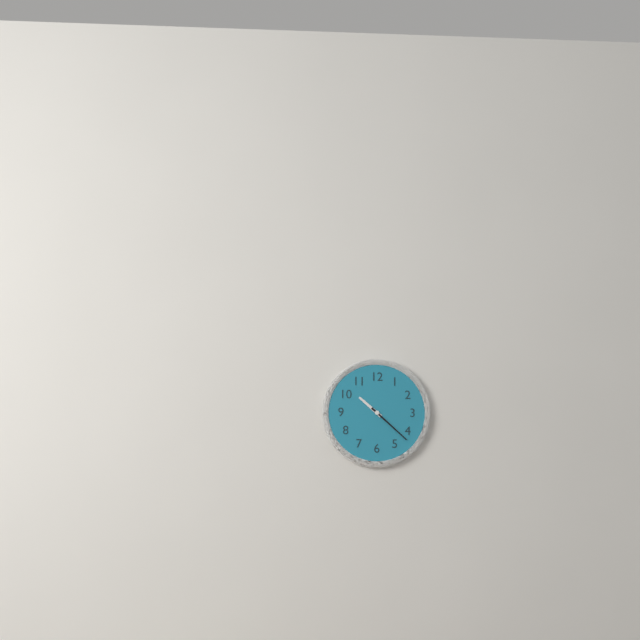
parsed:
10 h 22 min
